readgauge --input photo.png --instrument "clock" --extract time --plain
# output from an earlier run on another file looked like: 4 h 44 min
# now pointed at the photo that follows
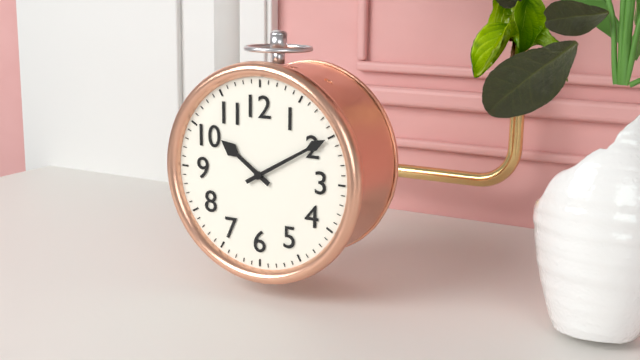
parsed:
10 h 10 min
